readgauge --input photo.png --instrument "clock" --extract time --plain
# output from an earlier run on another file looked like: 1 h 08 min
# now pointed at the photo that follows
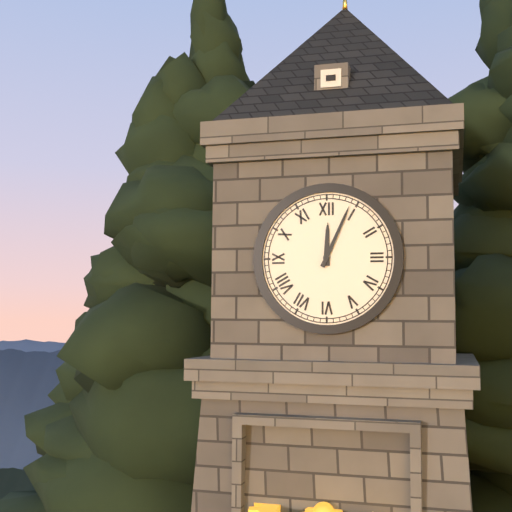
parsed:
12 h 04 min
